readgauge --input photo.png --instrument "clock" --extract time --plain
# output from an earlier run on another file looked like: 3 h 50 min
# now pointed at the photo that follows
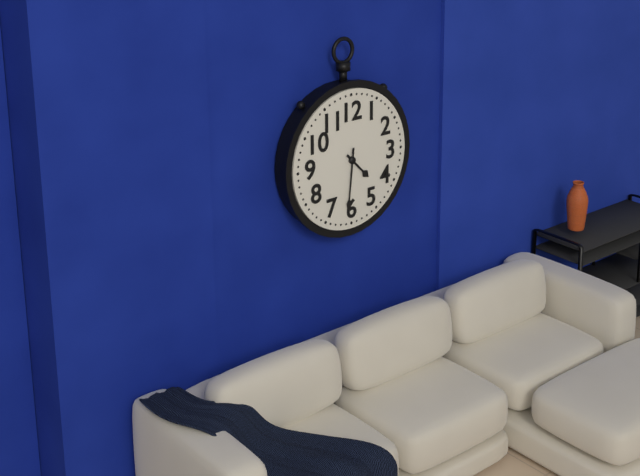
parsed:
4 h 31 min
